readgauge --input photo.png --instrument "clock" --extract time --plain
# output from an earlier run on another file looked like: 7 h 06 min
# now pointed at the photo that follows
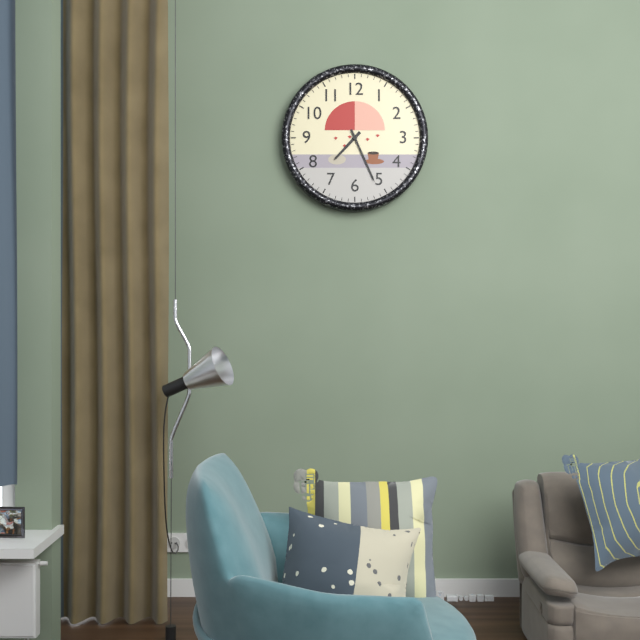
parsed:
7 h 26 min
